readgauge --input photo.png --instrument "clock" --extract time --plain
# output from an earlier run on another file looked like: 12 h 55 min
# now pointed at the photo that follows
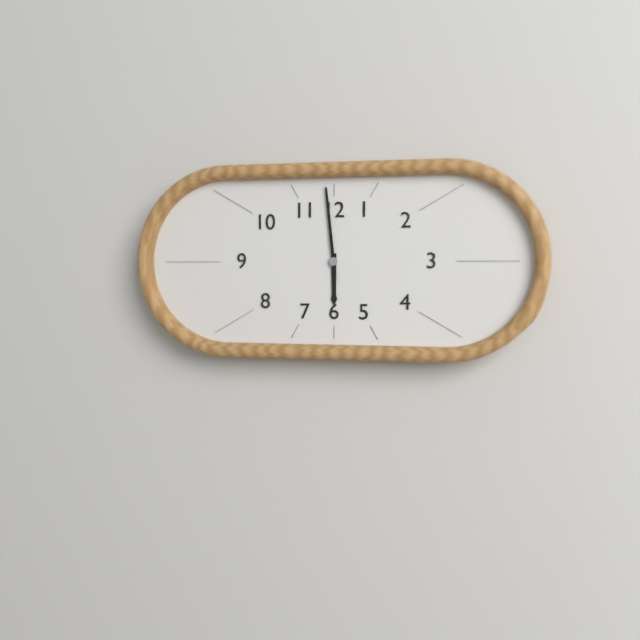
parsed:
5 h 59 min
